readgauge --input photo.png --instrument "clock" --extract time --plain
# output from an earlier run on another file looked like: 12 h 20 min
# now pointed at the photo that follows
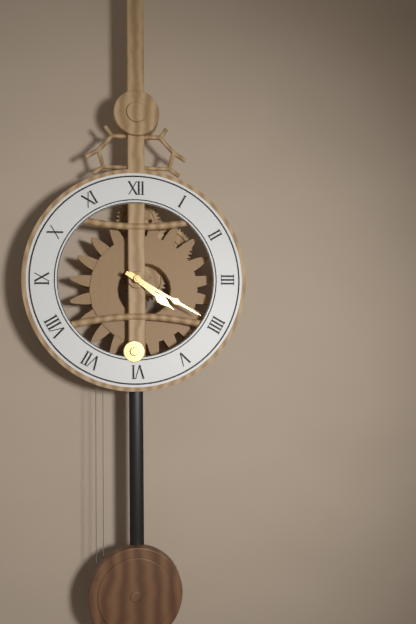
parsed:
4 h 20 min
